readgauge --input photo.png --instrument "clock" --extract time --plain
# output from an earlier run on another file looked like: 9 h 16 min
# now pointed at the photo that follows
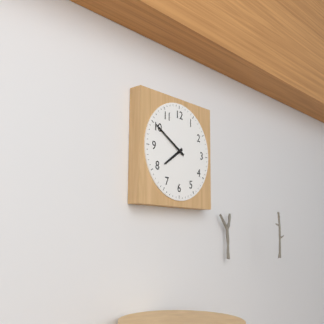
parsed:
7 h 50 min
